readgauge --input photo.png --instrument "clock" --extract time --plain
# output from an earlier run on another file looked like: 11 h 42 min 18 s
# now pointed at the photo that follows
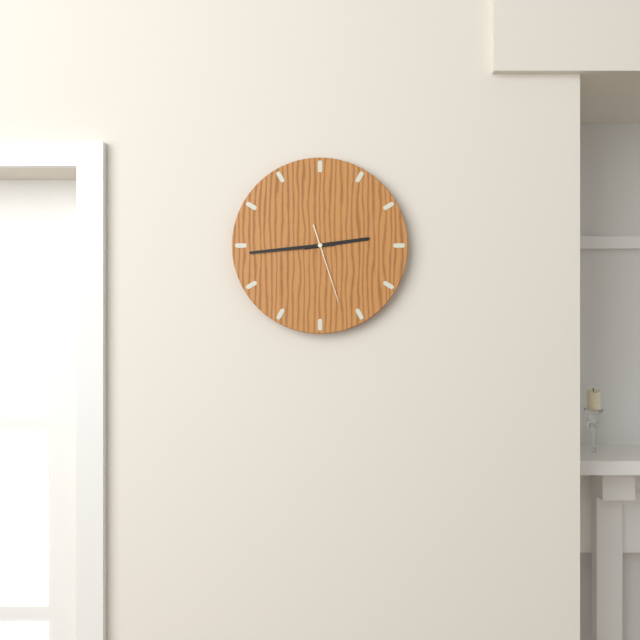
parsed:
2 h 44 min 27 s
